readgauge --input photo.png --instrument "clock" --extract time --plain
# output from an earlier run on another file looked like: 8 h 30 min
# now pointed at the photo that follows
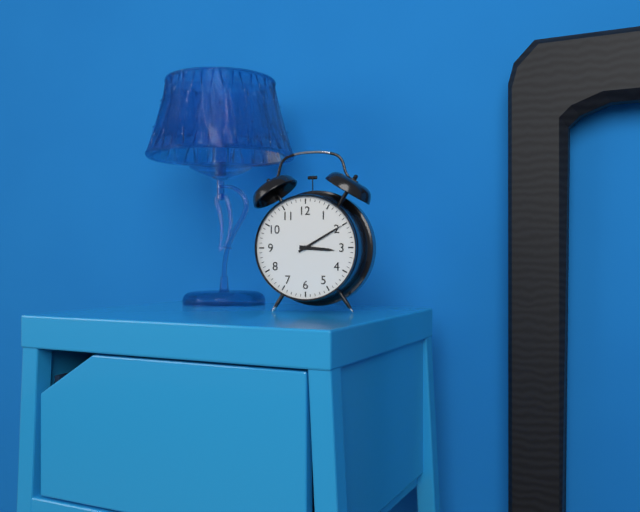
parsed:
3 h 10 min
